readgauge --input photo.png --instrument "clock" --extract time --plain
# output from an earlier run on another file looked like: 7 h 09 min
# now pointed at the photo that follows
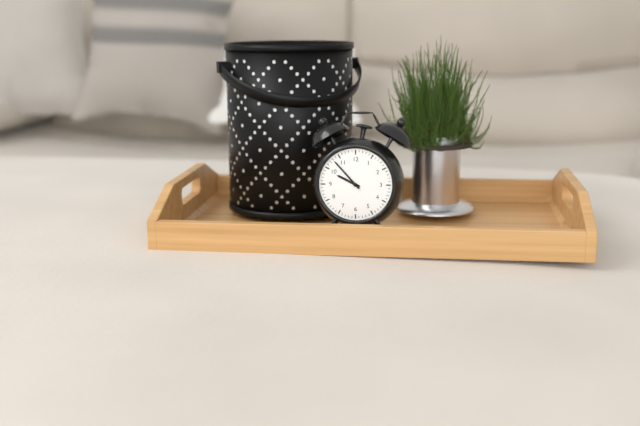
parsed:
9 h 53 min
